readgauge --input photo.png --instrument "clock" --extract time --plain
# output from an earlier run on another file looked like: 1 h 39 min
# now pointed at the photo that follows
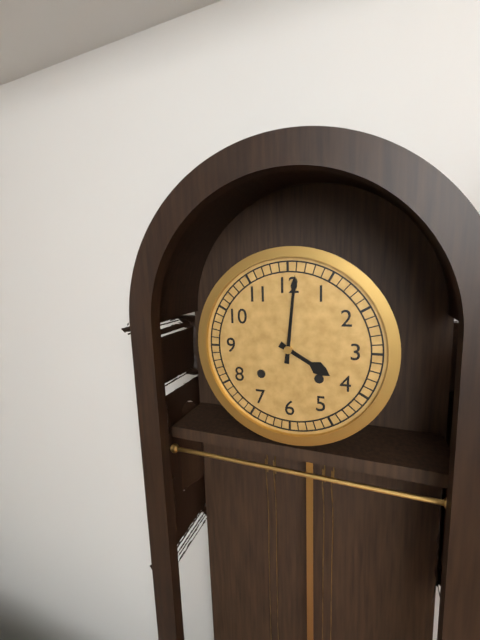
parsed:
4 h 01 min
